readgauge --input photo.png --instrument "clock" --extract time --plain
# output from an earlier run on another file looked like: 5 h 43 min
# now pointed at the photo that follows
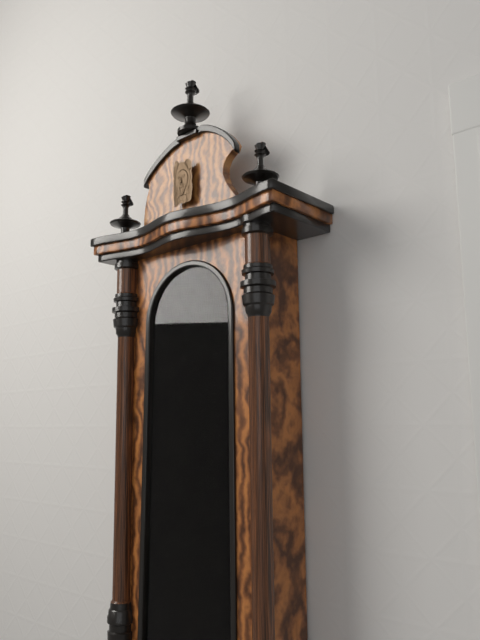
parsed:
7 h 09 min
